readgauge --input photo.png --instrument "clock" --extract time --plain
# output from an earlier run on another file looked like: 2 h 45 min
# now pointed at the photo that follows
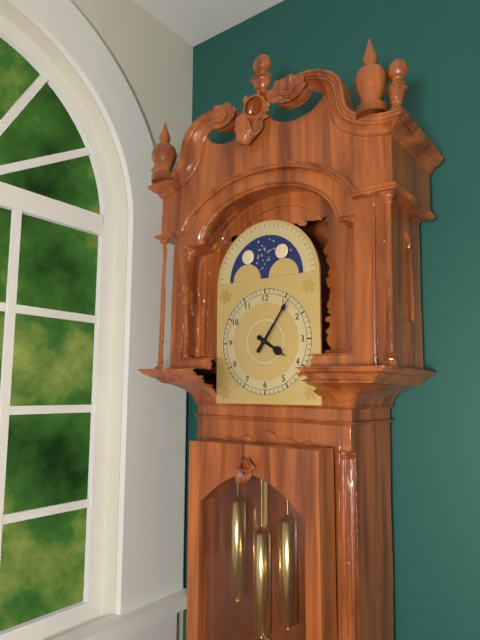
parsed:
4 h 06 min
